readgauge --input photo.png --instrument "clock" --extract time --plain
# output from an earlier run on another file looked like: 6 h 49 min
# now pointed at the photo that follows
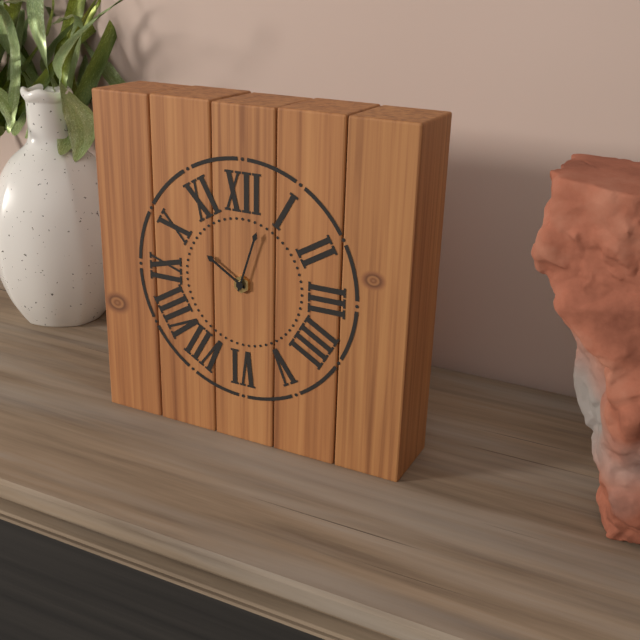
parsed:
10 h 03 min
